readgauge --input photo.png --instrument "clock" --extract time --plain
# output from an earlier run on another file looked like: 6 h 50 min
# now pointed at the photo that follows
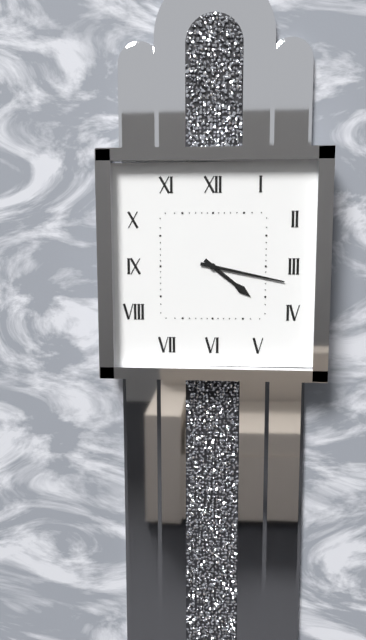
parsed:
4 h 17 min
